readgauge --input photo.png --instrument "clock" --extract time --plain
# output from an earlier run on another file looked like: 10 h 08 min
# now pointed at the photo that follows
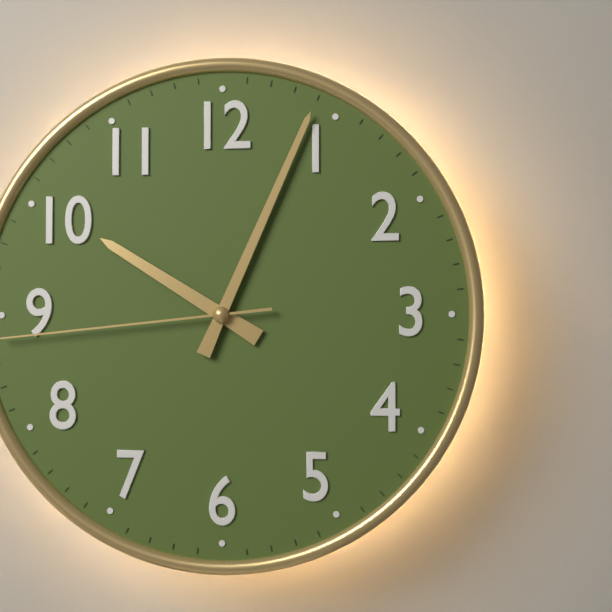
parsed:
10 h 04 min
